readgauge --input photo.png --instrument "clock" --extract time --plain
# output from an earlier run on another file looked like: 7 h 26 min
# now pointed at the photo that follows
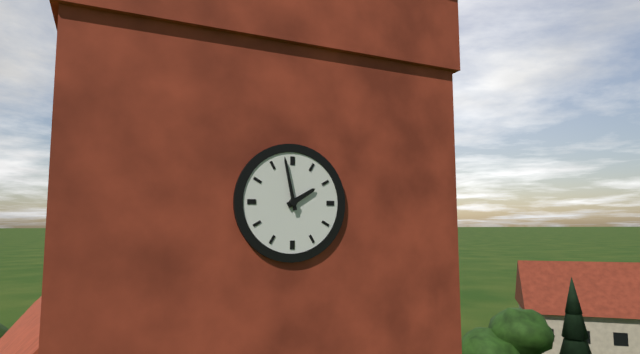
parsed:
1 h 58 min
